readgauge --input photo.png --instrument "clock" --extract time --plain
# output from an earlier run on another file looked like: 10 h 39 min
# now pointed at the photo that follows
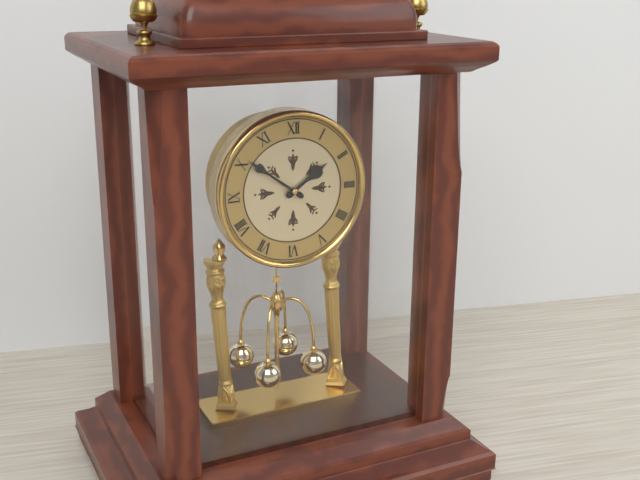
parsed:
1 h 51 min
